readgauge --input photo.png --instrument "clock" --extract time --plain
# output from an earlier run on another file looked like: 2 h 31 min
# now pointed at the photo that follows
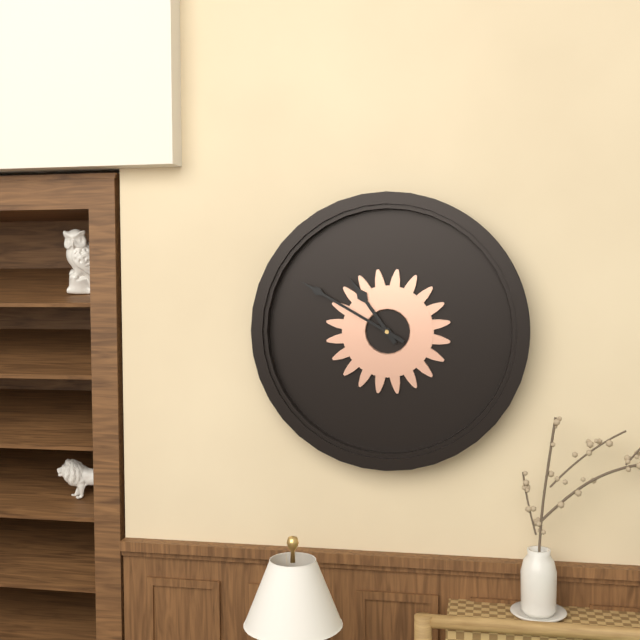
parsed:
10 h 50 min
